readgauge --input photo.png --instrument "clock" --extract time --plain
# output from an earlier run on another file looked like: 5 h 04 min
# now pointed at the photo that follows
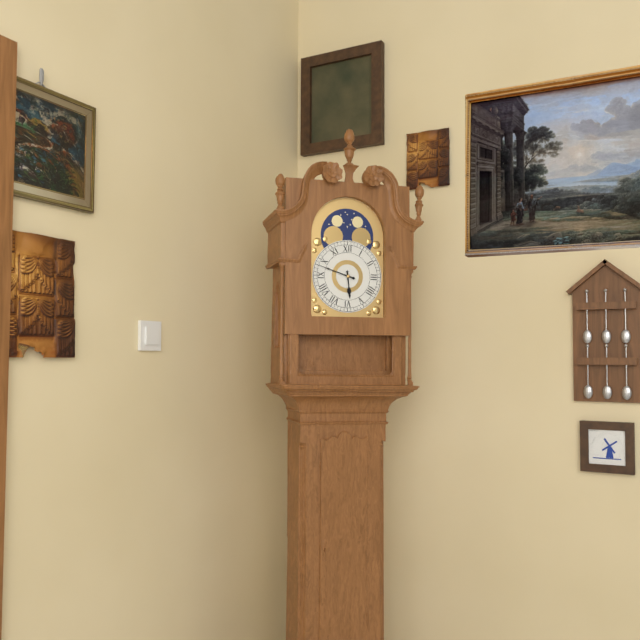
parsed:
5 h 48 min
